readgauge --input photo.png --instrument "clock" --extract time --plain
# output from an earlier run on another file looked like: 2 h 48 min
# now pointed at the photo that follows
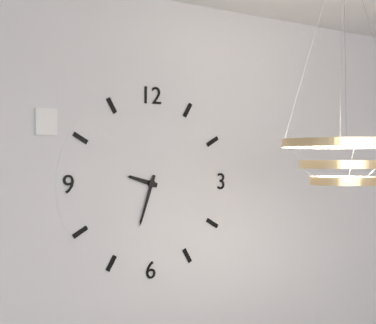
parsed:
9 h 33 min
